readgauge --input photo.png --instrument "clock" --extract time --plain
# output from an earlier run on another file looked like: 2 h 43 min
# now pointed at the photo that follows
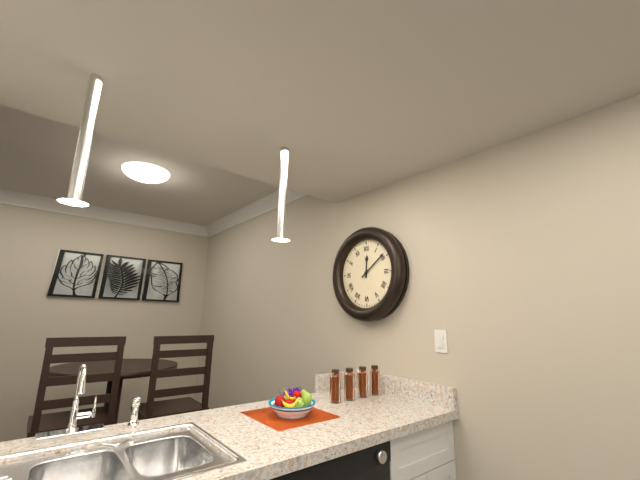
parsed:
12 h 09 min
